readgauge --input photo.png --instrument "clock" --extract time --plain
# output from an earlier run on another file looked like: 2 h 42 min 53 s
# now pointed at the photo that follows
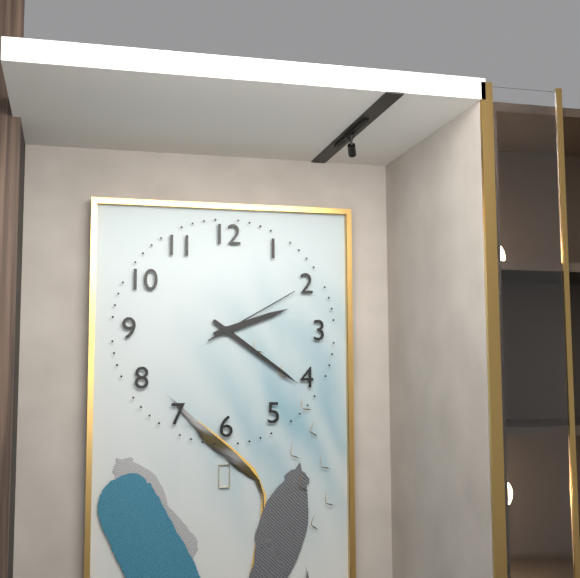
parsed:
2 h 21 min 10 s
